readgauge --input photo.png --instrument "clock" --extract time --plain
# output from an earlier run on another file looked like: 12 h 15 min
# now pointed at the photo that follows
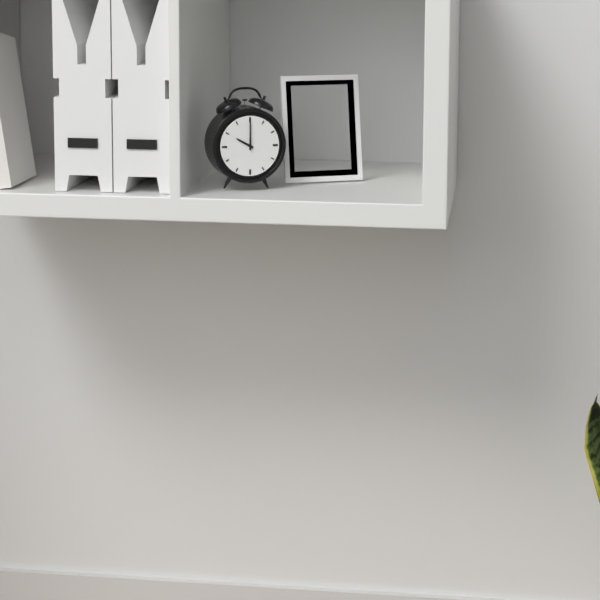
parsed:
10 h 00 min
